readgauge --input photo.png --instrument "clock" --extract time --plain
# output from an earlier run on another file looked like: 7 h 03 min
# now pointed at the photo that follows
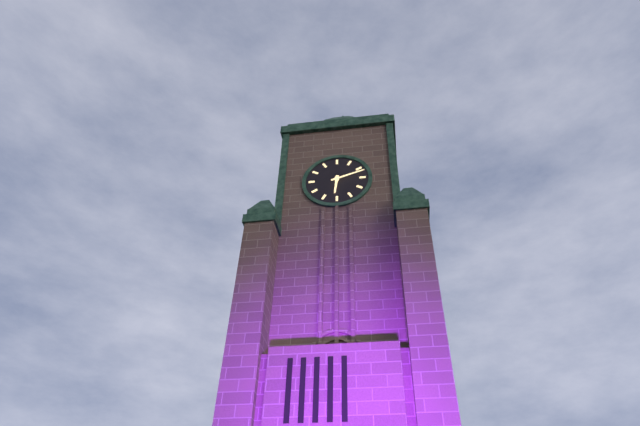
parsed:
6 h 12 min
